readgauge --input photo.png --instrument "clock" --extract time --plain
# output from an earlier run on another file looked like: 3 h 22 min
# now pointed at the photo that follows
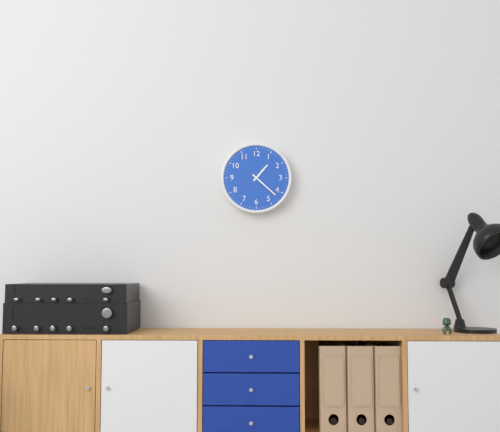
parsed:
1 h 22 min
